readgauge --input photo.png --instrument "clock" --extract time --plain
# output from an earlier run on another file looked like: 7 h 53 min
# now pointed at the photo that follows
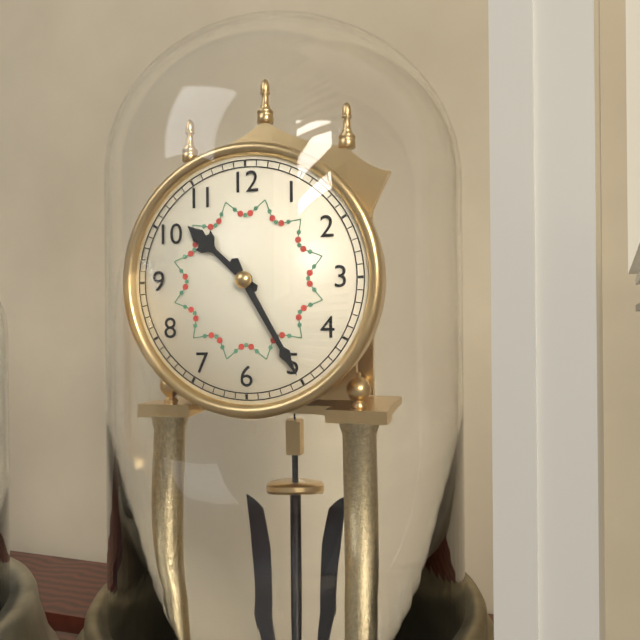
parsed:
10 h 25 min
